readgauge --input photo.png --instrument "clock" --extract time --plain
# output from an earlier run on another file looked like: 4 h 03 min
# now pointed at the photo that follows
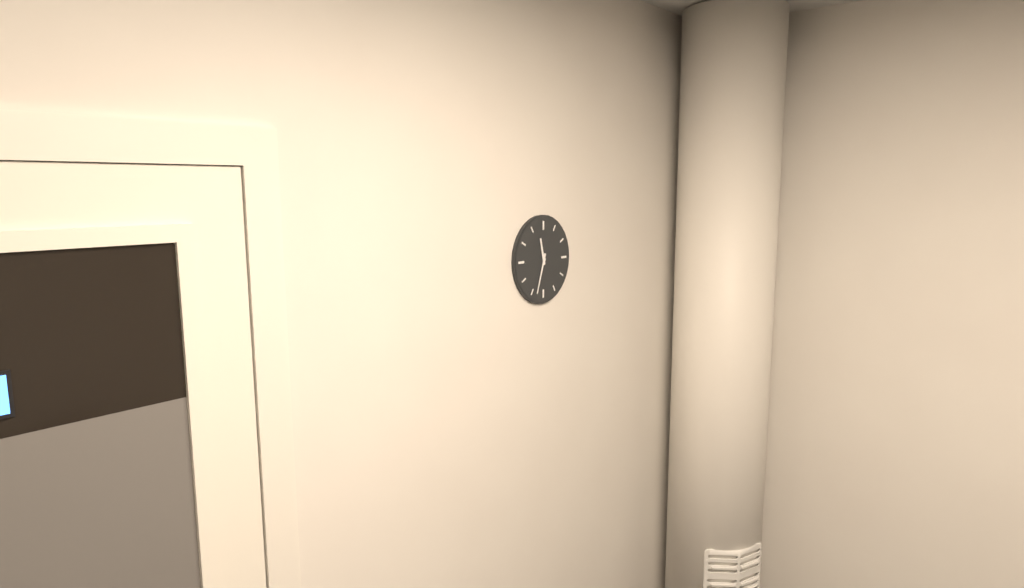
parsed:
11 h 33 min
